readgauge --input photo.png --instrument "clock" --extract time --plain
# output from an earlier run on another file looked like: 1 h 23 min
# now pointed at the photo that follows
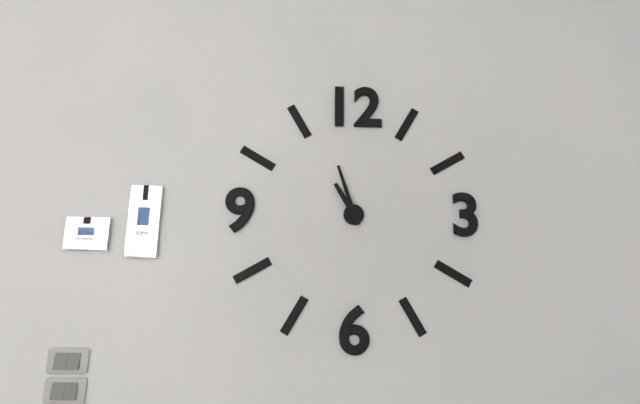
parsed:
10 h 57 min
